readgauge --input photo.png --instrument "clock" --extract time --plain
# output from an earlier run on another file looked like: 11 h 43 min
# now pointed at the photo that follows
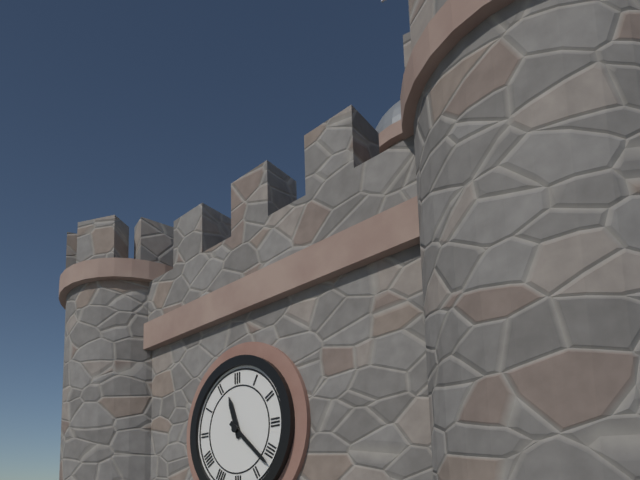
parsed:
11 h 22 min
